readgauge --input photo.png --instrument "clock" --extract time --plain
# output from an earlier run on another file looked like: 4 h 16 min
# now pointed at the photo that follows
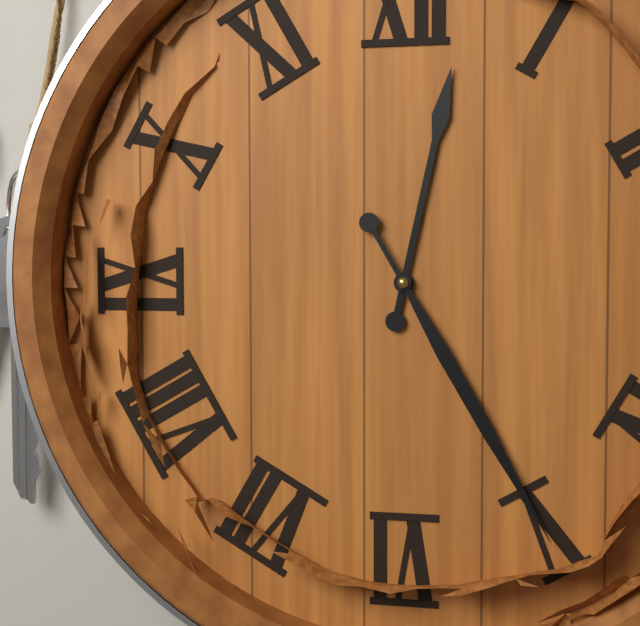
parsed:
12 h 25 min
